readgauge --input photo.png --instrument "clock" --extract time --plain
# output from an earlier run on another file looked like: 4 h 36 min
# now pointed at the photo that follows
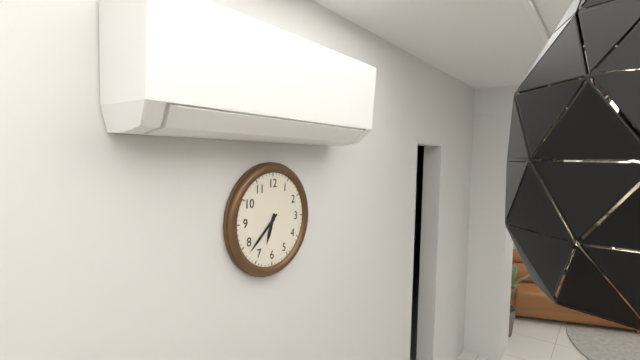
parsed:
6 h 38 min
